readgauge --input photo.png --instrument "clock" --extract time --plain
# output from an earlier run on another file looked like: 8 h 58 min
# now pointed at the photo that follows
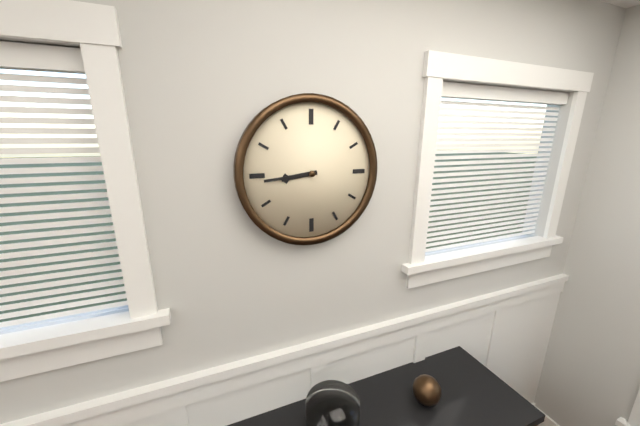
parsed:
8 h 44 min
